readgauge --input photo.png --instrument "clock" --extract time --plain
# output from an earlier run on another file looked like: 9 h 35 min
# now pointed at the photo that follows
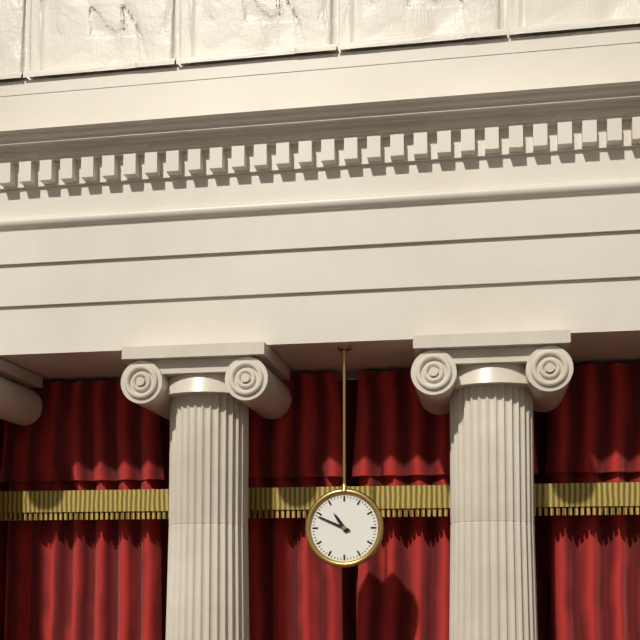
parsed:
10 h 49 min
